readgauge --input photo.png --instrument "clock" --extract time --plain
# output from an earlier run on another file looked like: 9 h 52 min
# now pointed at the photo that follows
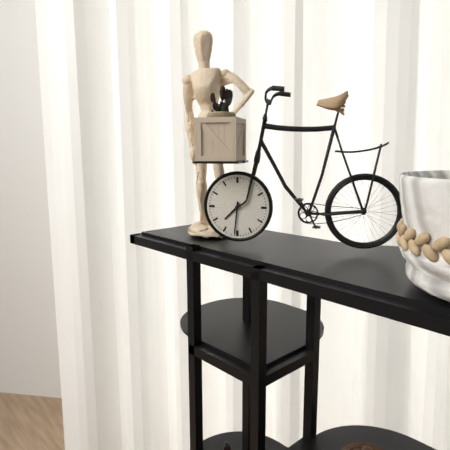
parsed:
7 h 31 min
